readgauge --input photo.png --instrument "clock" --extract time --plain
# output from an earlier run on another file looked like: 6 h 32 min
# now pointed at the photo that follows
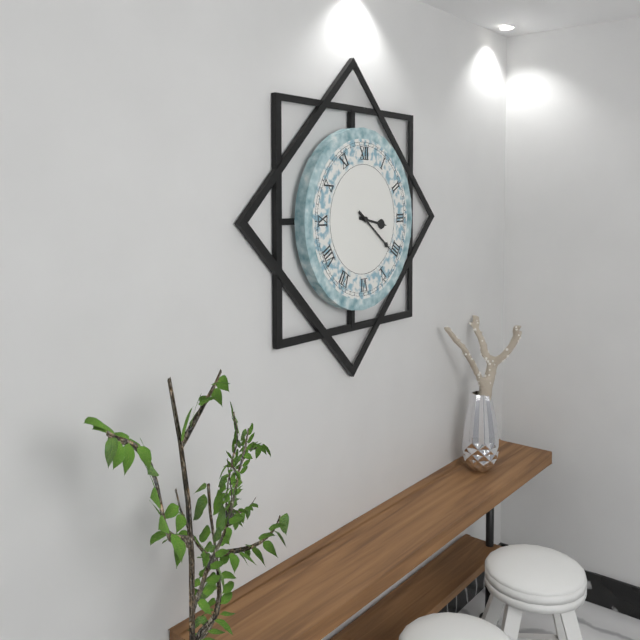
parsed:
3 h 21 min
